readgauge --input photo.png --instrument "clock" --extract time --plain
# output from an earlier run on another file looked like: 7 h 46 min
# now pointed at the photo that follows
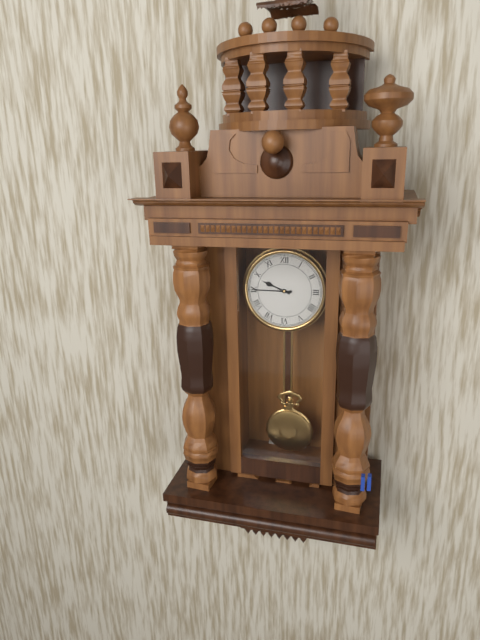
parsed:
9 h 45 min
